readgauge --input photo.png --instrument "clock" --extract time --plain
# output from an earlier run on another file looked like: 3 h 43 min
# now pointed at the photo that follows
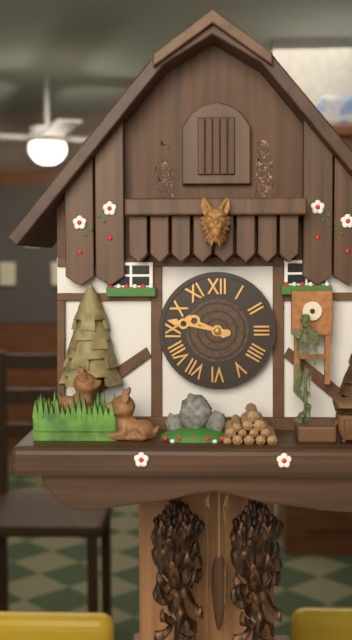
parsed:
9 h 47 min
